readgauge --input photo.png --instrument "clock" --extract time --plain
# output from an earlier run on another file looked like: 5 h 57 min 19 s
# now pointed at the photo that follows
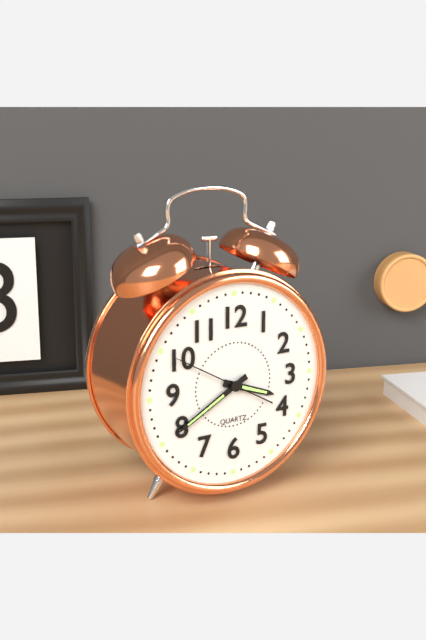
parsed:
3 h 40 min 50 s
